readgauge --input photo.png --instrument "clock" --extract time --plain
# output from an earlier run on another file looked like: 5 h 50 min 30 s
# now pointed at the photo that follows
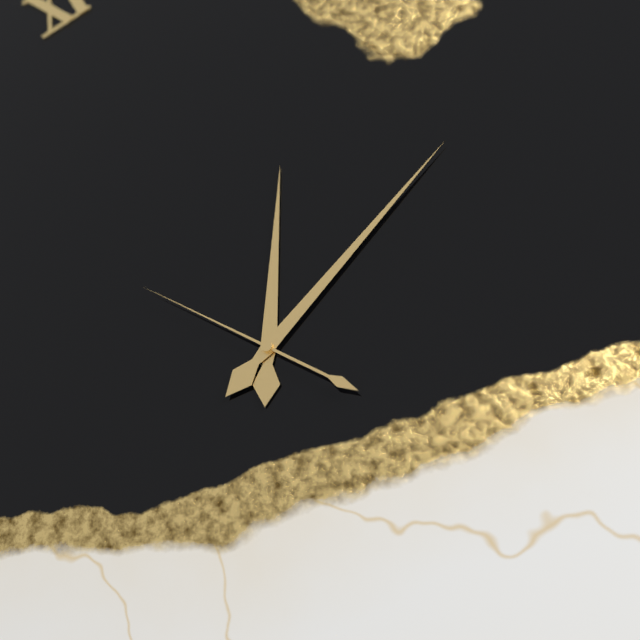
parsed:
12 h 07 min 50 s
